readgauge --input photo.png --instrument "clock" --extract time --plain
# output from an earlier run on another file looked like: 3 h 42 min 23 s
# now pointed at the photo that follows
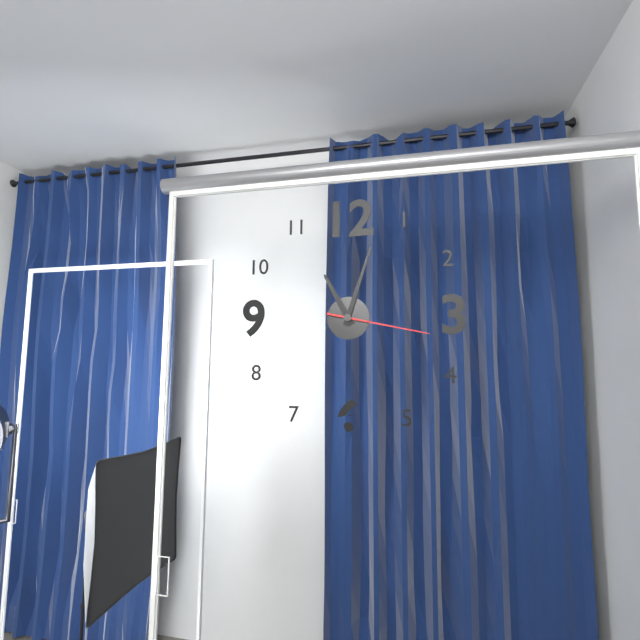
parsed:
11 h 03 min 17 s
